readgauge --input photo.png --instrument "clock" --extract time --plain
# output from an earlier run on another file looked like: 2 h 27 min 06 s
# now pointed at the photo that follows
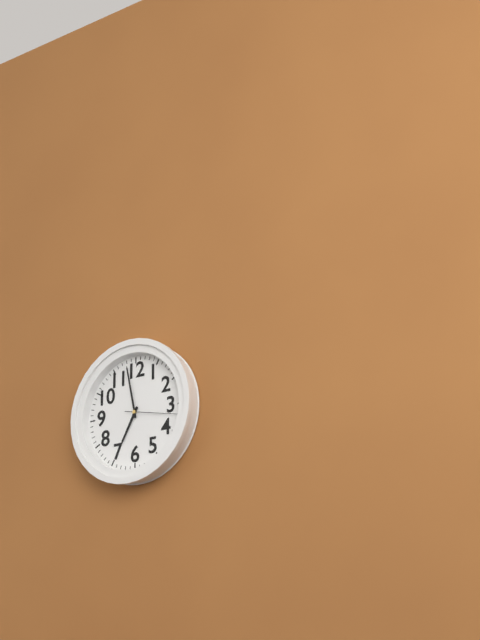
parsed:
6 h 58 min 17 s
